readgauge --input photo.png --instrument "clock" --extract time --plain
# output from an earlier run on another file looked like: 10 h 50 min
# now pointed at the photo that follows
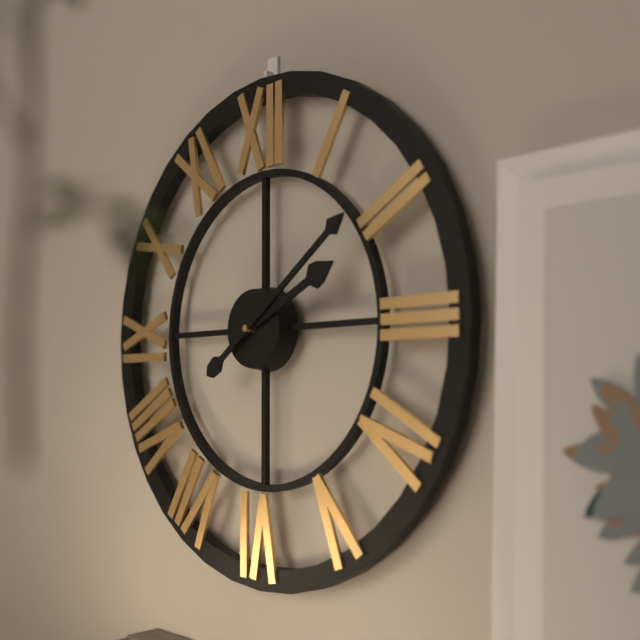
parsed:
2 h 09 min
